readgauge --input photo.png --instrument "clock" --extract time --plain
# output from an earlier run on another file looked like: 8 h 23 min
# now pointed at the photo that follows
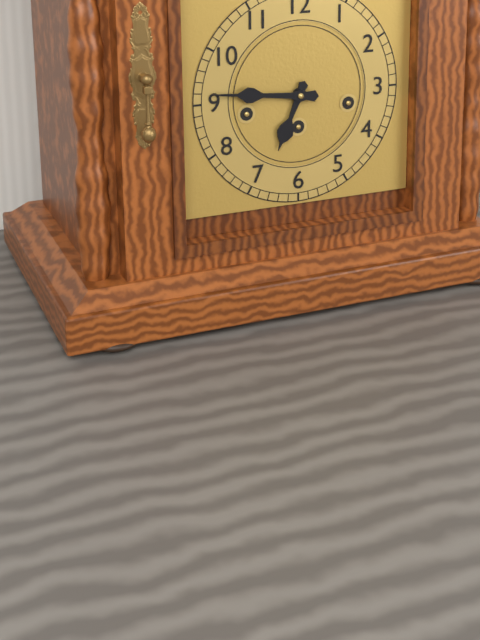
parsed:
6 h 46 min
